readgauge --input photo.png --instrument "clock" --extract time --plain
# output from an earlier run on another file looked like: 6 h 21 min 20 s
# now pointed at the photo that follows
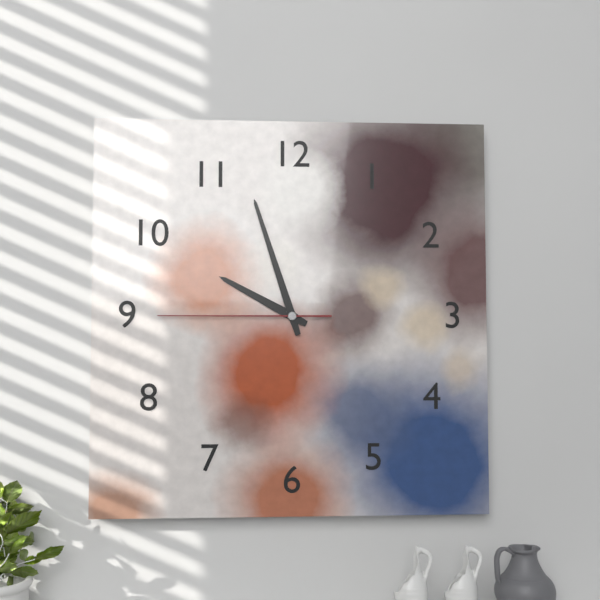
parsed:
9 h 57 min 45 s
